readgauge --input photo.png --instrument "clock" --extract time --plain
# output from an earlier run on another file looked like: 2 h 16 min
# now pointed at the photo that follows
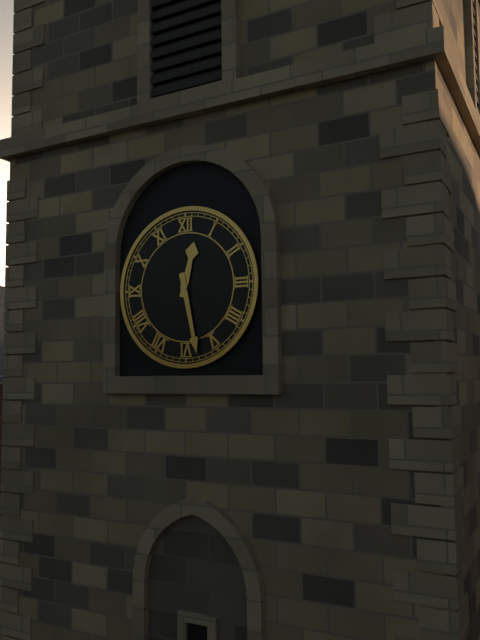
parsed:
12 h 28 min
